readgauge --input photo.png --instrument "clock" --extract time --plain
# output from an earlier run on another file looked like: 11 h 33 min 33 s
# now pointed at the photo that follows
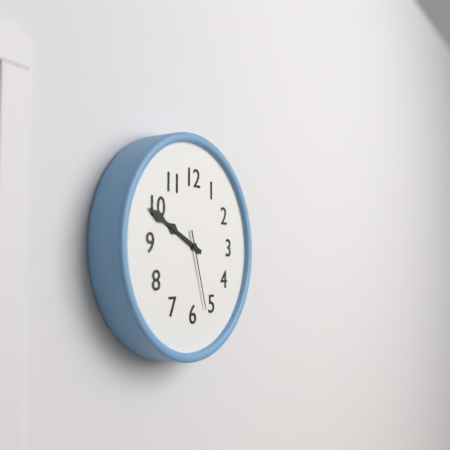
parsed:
9 h 49 min 27 s
